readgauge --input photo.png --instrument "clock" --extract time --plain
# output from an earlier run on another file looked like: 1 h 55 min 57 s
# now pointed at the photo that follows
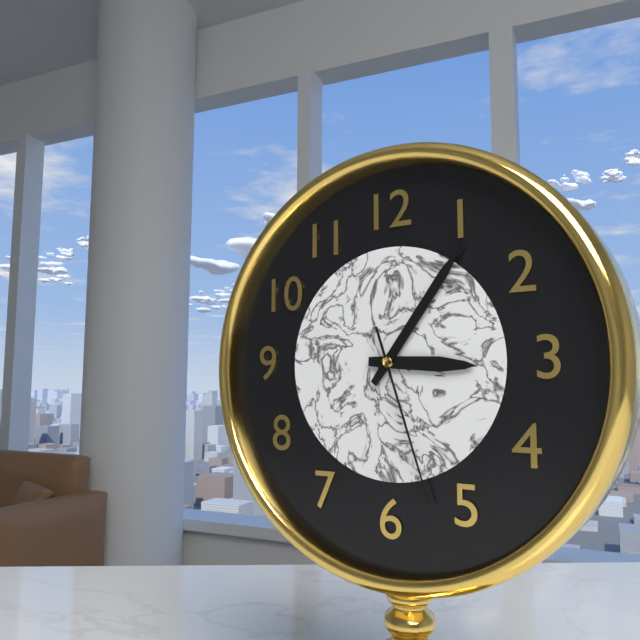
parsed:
3 h 06 min 27 s
